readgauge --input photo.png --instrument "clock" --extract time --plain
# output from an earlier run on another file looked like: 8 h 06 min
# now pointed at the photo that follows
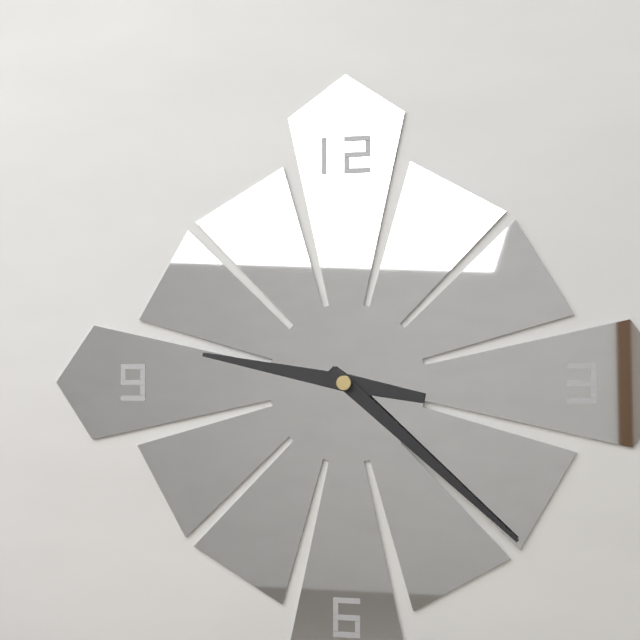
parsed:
9 h 22 min
